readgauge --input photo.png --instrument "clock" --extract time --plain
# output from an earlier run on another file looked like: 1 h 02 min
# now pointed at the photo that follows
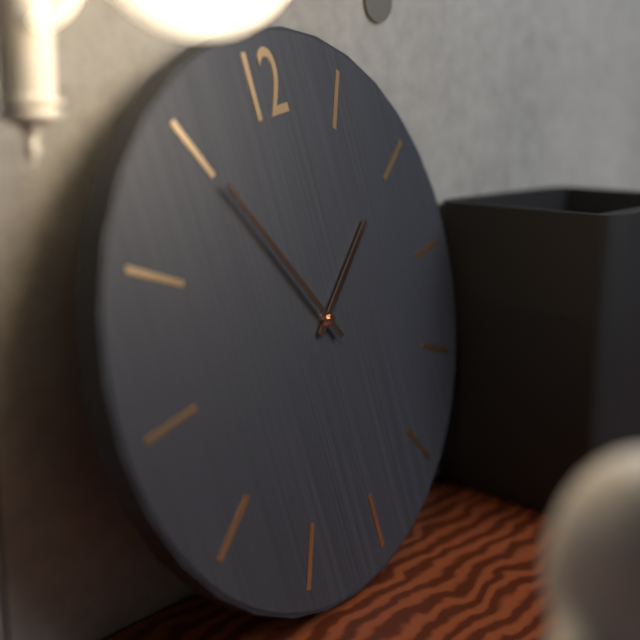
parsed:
1 h 55 min
